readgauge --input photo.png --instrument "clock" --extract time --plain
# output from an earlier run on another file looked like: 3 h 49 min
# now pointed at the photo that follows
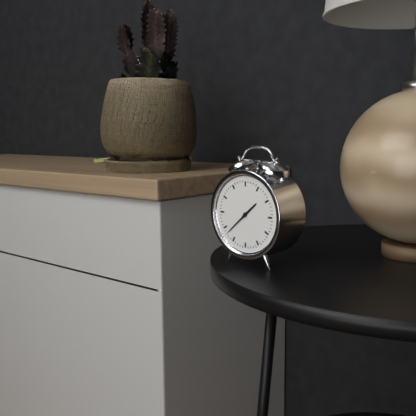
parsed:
1 h 38 min
